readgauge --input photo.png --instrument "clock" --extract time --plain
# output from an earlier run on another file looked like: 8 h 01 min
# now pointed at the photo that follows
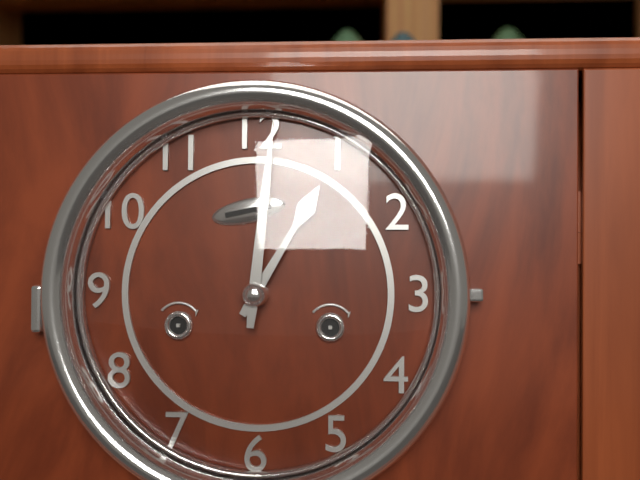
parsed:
1 h 01 min
